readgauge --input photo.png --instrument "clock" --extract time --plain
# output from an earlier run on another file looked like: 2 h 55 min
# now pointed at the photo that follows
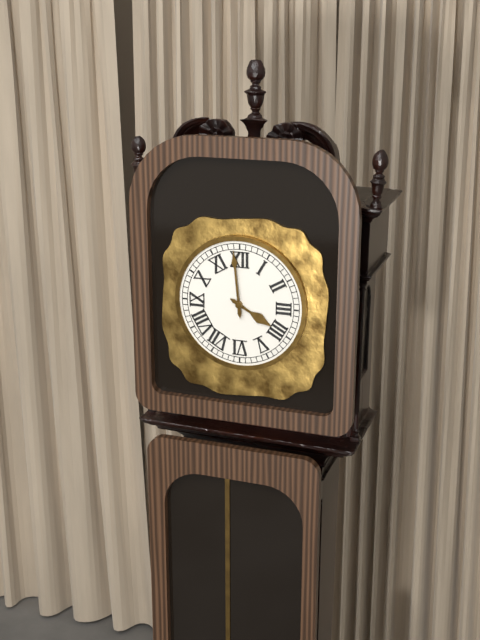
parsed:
3 h 59 min
